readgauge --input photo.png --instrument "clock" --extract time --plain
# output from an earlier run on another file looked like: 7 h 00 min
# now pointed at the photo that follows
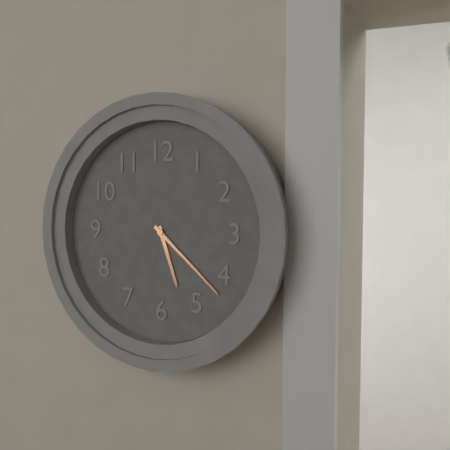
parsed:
5 h 22 min
